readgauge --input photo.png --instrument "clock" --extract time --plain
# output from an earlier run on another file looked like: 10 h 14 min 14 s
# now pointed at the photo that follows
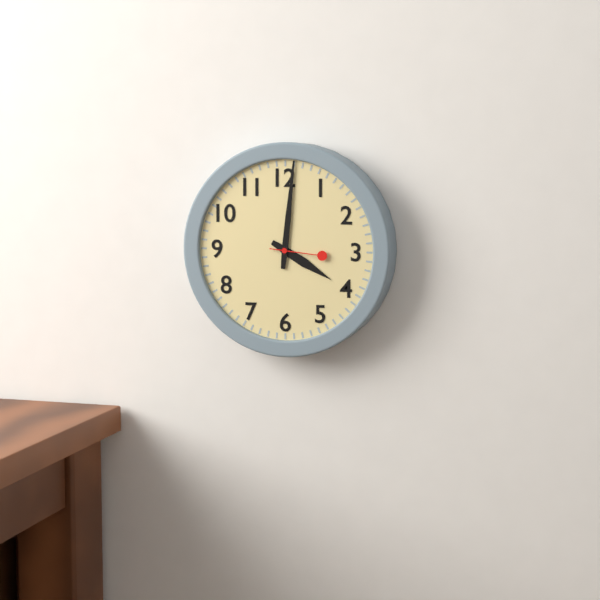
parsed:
4 h 01 min 16 s
